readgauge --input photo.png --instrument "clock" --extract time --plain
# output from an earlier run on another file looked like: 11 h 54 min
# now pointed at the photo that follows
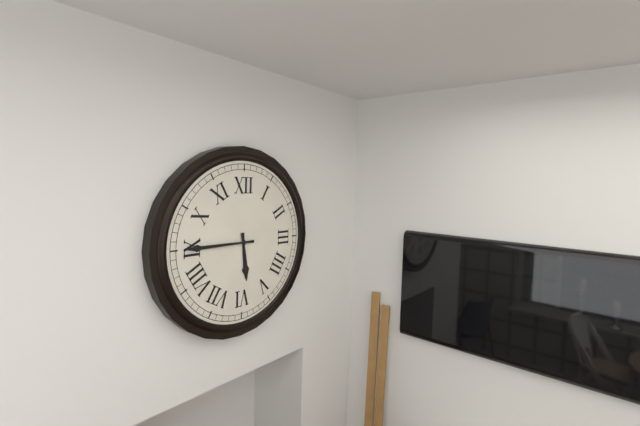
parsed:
5 h 45 min
